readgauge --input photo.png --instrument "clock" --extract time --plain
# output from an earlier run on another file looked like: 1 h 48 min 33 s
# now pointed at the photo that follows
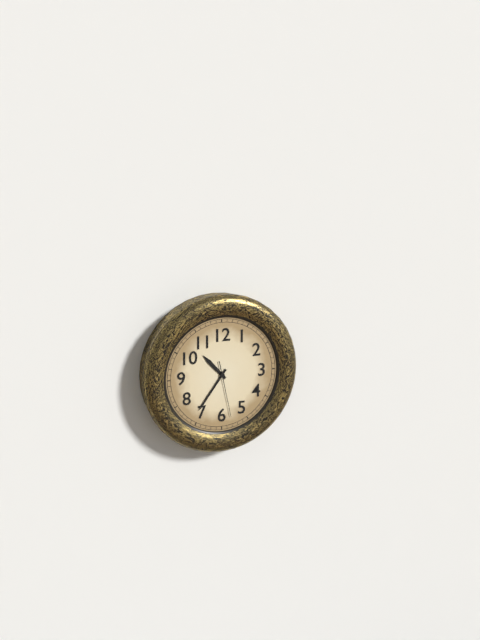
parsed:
10 h 36 min 28 s
